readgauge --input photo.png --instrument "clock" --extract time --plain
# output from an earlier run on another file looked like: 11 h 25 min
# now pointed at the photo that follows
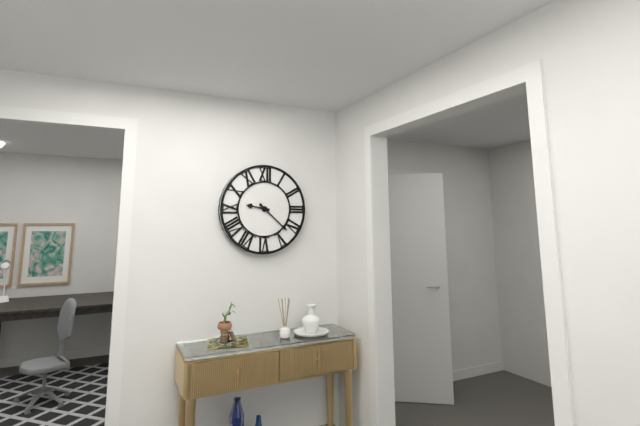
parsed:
9 h 22 min
